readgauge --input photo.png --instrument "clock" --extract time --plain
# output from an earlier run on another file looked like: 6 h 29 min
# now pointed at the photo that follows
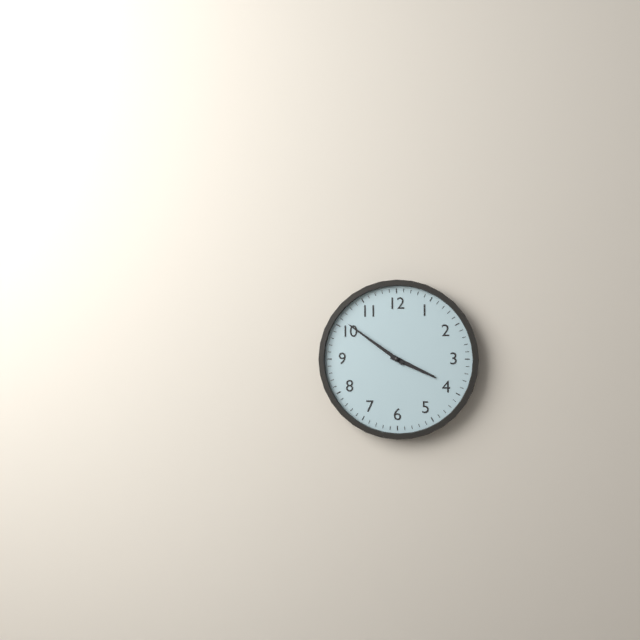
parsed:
3 h 51 min
